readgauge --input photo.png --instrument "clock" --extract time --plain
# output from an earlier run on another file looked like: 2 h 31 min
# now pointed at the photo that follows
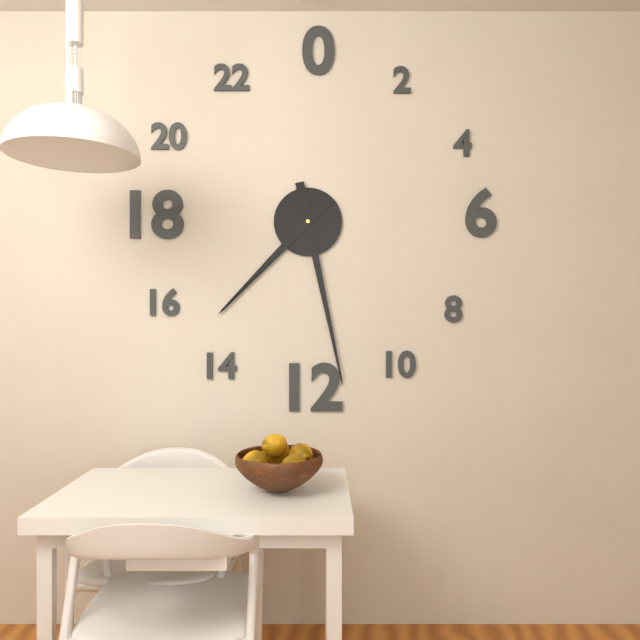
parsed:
7 h 28 min
